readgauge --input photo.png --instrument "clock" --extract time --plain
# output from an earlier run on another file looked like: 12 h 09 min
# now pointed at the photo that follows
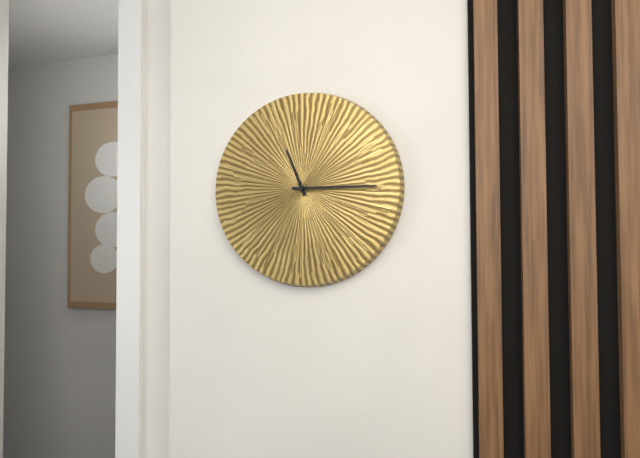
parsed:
11 h 15 min
